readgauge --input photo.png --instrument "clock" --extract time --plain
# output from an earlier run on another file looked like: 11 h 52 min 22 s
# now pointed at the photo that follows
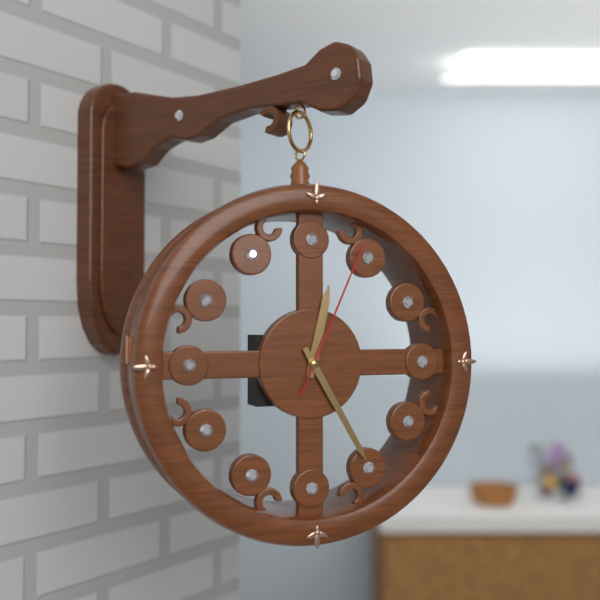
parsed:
12 h 25 min 04 s
